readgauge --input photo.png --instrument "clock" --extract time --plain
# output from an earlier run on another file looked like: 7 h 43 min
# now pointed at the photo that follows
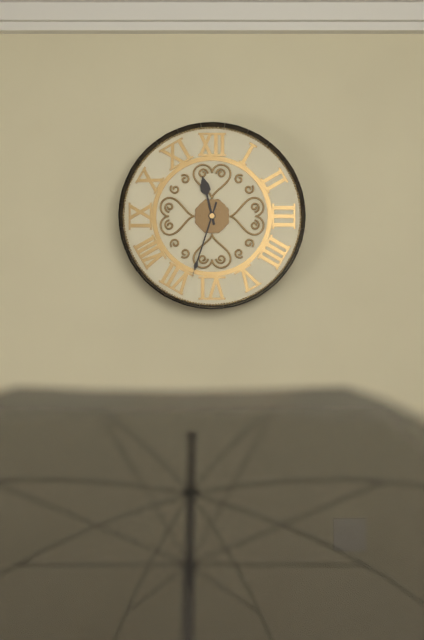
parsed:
11 h 33 min
